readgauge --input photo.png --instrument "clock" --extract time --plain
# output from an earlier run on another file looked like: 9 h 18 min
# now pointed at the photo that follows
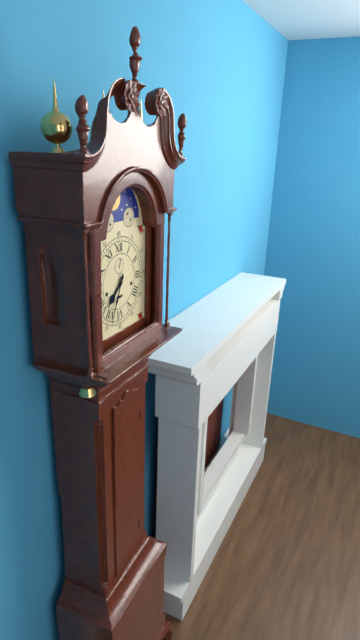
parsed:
7 h 34 min
